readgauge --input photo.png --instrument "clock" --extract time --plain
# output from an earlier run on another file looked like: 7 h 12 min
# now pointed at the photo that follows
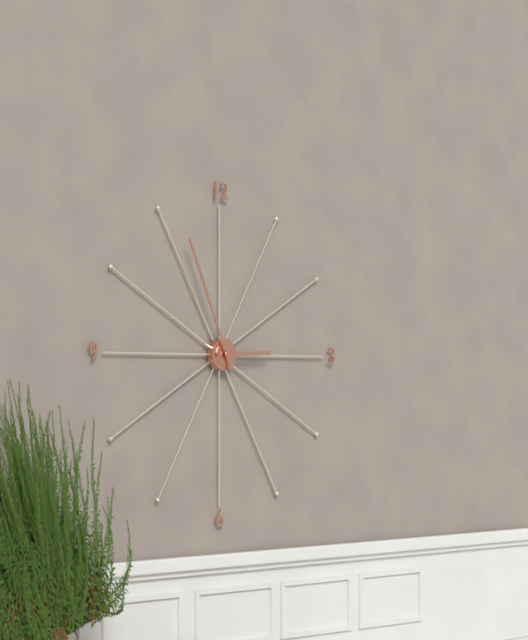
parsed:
2 h 56 min
